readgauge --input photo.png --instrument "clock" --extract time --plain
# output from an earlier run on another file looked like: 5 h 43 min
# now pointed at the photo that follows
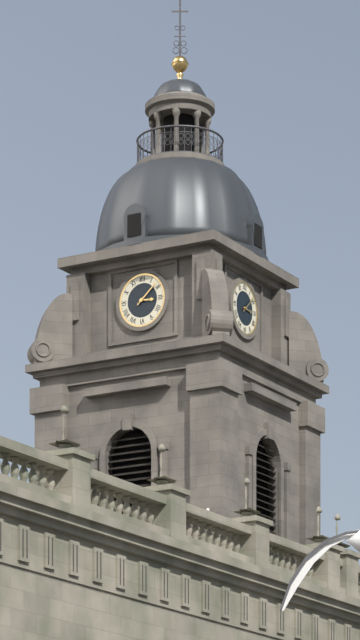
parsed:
3 h 08 min
